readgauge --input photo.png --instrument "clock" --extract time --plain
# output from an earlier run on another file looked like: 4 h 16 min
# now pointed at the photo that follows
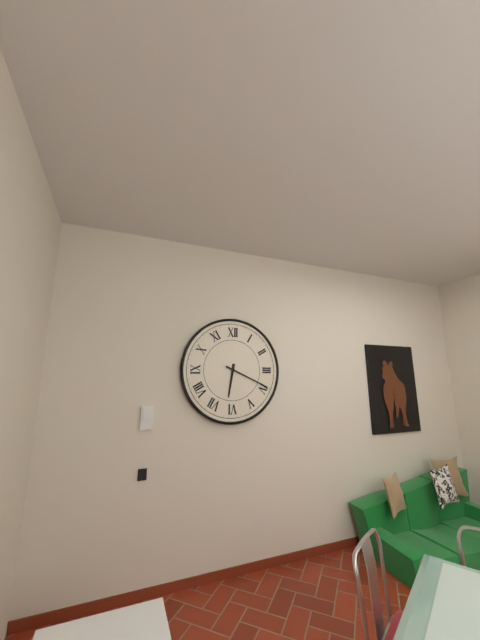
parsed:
6 h 19 min
